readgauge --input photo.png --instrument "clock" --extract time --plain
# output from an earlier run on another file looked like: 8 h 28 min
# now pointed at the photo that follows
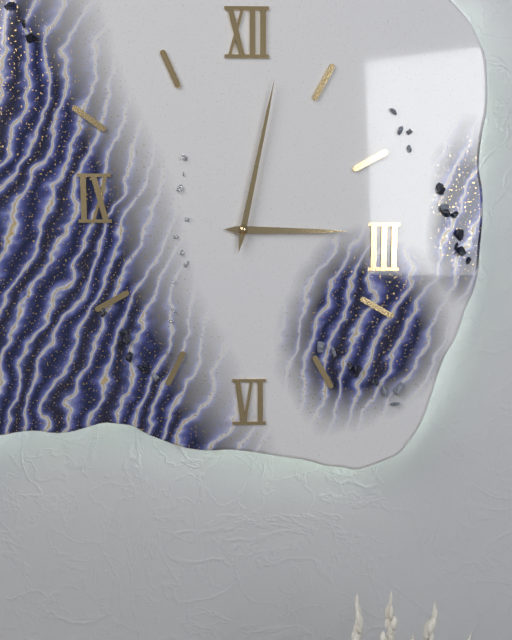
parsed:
3 h 02 min
